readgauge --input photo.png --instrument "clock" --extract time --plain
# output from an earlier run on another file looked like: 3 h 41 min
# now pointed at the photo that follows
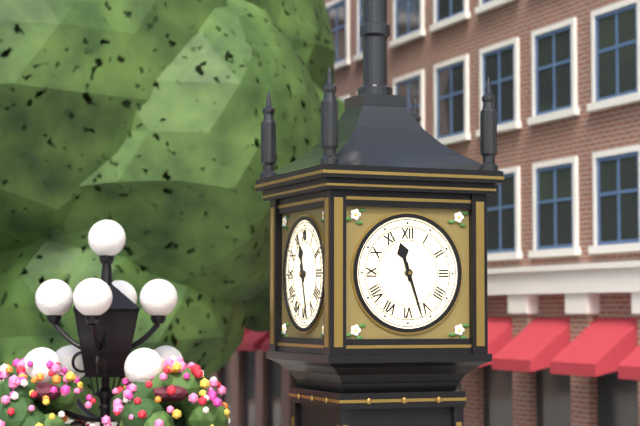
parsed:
11 h 27 min
